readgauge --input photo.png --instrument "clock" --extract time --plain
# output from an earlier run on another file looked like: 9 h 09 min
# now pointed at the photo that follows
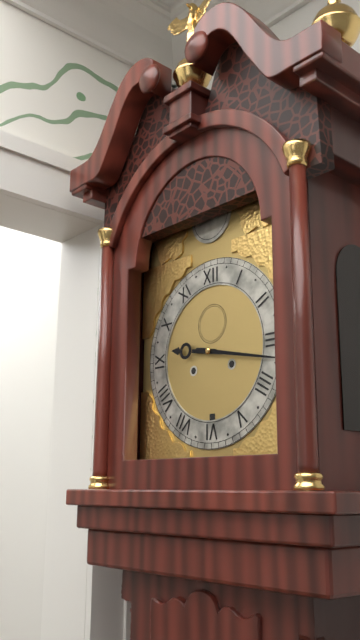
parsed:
9 h 17 min
